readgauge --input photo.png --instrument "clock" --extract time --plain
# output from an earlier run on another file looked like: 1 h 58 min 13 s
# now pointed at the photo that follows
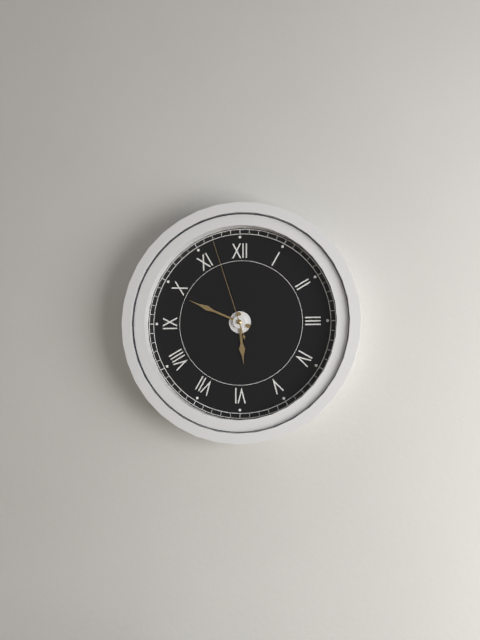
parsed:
5 h 49 min 57 s
